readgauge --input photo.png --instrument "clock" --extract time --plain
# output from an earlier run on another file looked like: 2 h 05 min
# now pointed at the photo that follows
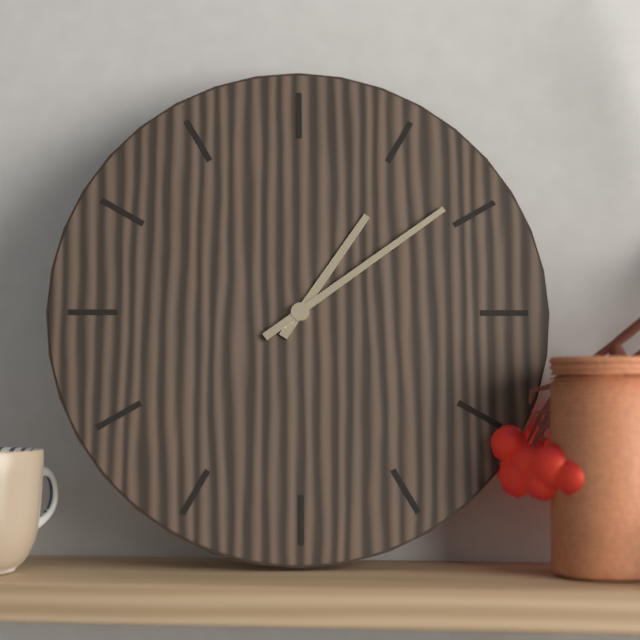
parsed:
1 h 09 min
